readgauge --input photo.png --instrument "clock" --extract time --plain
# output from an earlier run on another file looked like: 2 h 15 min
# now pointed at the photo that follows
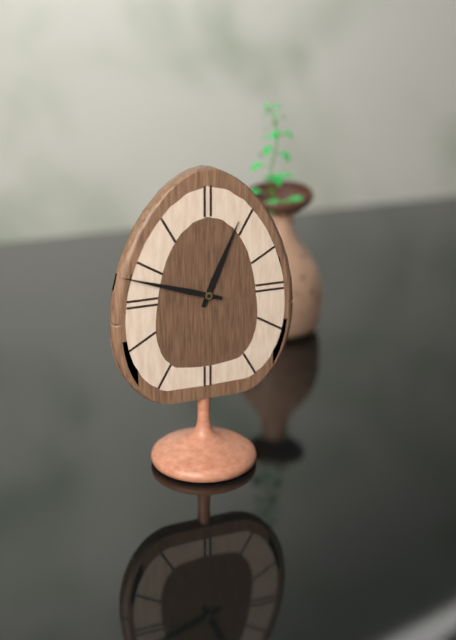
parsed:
12 h 48 min
